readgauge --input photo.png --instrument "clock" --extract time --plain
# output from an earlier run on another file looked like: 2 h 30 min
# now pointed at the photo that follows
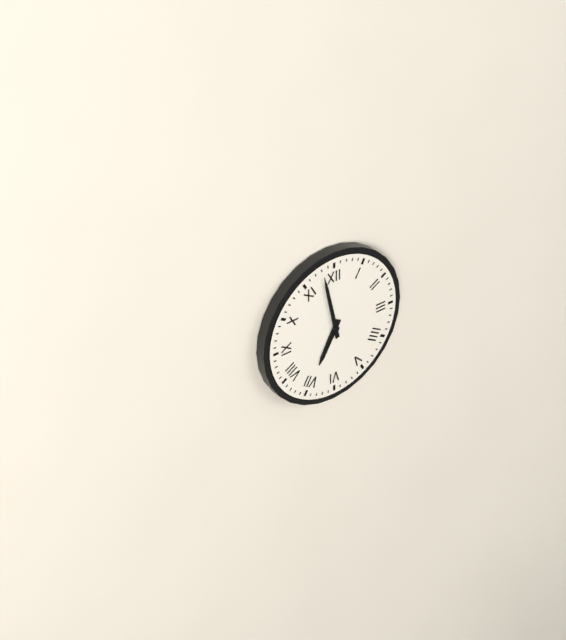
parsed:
6 h 58 min
